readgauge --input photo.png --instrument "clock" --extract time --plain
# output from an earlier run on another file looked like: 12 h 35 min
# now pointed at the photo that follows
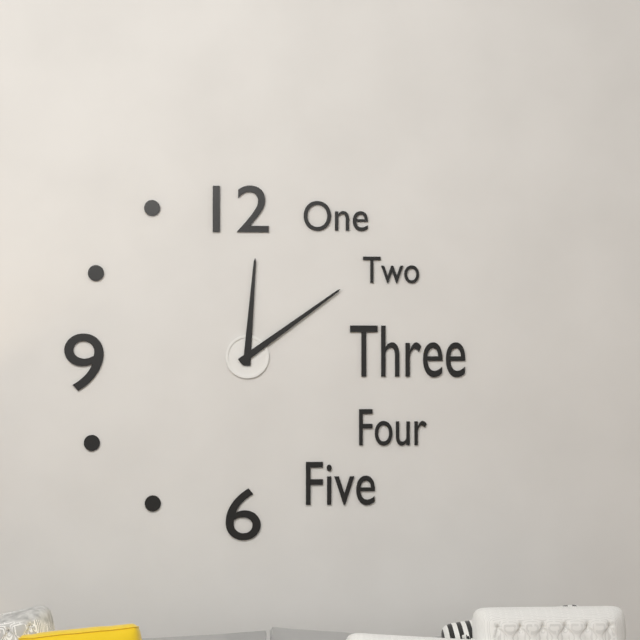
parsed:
12 h 09 min
